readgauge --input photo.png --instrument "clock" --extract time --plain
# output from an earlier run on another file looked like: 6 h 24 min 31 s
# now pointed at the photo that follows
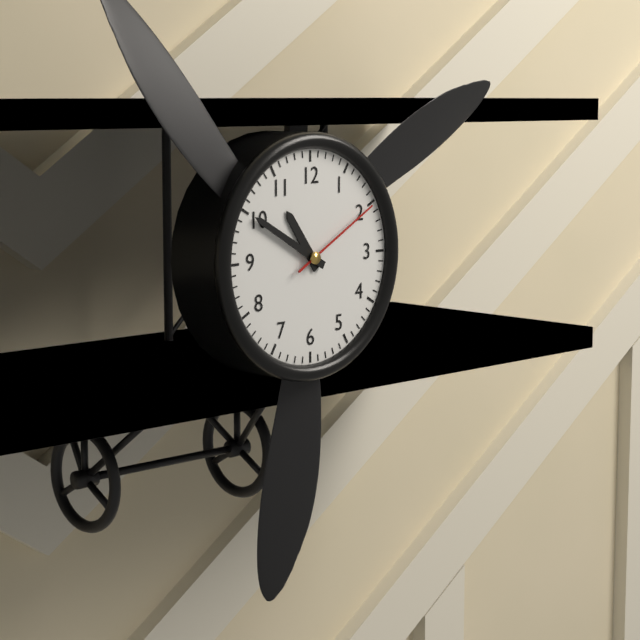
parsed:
10 h 50 min 10 s
